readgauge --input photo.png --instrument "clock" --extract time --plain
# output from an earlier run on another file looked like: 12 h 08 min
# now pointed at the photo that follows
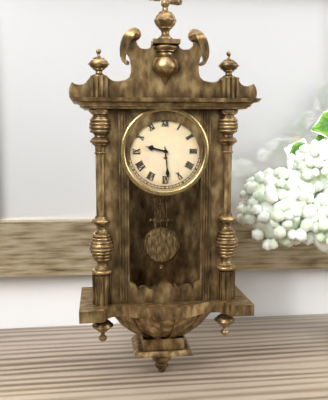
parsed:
9 h 29 min
